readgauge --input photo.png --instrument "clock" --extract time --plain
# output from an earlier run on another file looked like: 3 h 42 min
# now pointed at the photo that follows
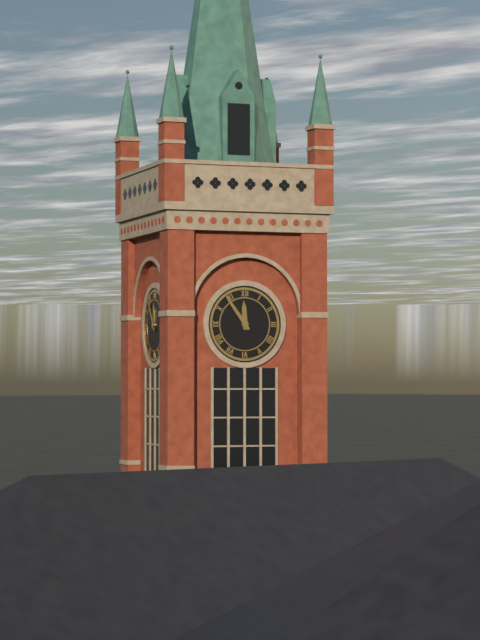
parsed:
11 h 54 min
